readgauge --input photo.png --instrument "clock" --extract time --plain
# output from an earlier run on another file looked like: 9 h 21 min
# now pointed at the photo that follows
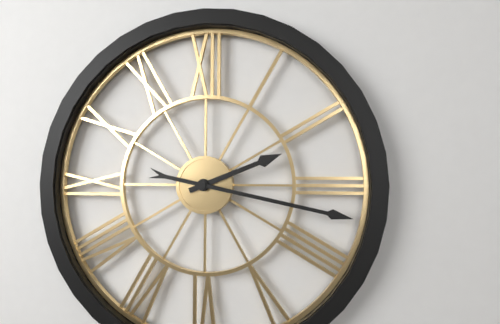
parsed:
2 h 17 min
